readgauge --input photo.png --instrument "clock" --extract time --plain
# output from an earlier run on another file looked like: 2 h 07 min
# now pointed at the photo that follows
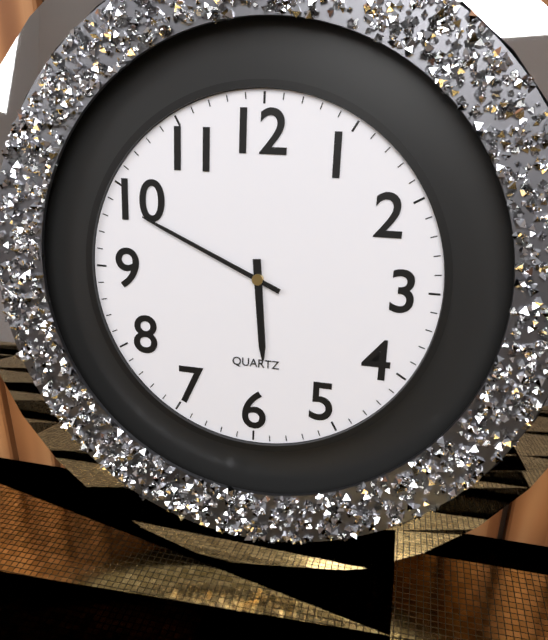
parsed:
5 h 49 min
